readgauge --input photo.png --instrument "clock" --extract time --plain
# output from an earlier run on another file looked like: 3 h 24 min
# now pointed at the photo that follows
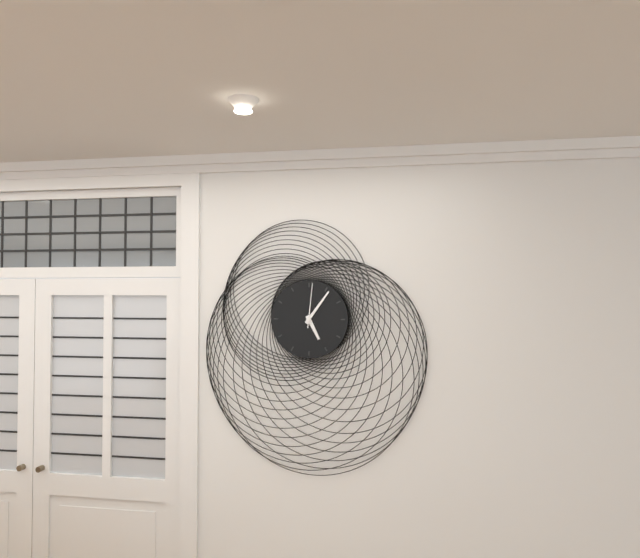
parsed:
5 h 06 min
